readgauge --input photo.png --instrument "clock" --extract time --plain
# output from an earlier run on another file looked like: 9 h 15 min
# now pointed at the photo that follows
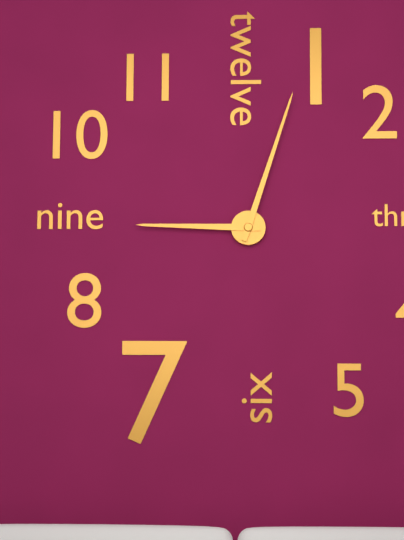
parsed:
9 h 03 min
